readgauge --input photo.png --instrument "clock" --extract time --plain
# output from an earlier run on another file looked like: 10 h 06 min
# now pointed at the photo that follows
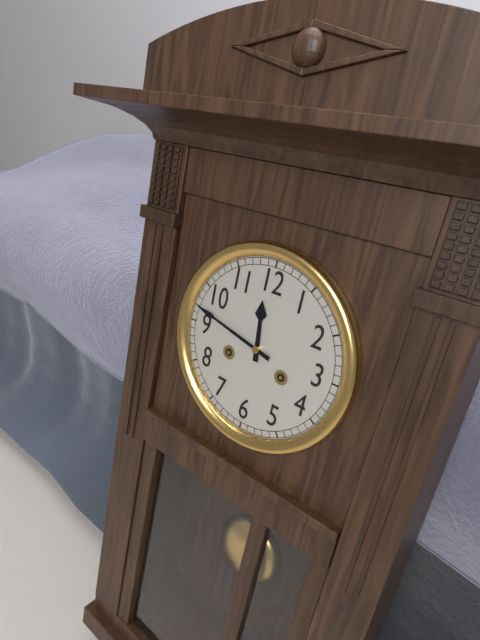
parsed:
11 h 47 min
